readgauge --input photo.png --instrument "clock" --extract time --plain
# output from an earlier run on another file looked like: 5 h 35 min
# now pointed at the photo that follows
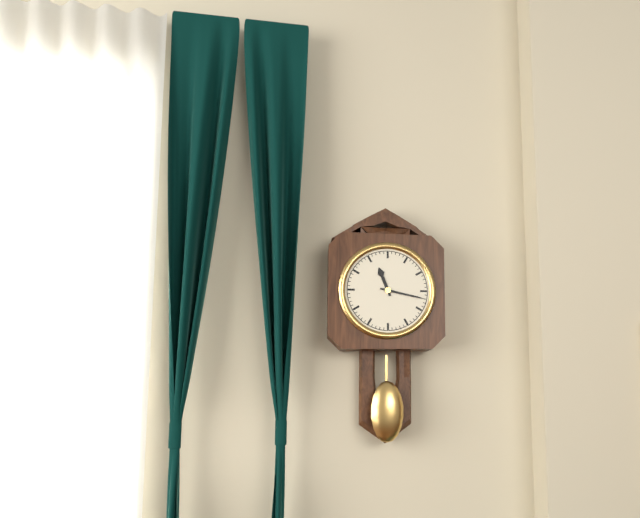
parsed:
11 h 17 min
